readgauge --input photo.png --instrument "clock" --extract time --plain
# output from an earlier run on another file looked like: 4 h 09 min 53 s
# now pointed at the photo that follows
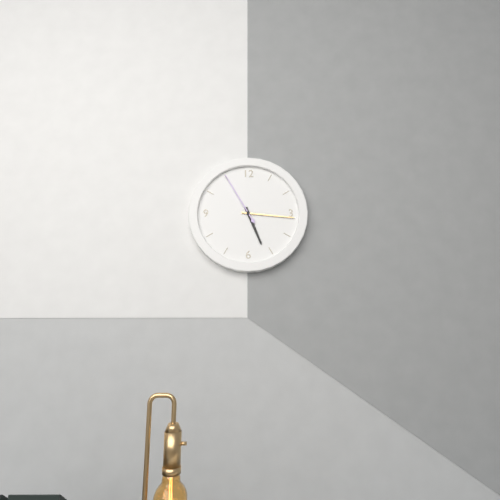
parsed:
5 h 16 min 55 s
